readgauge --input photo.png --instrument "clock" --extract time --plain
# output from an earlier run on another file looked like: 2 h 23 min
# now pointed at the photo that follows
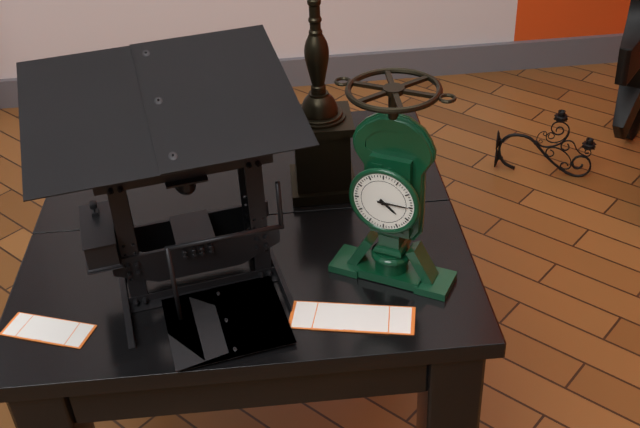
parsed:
4 h 15 min
